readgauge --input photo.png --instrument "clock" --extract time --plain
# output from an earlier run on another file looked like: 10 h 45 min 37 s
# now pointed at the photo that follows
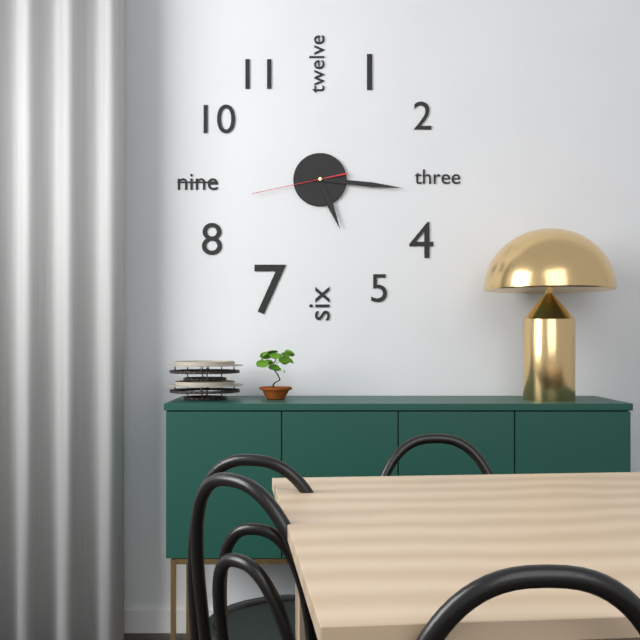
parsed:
5 h 16 min 43 s
